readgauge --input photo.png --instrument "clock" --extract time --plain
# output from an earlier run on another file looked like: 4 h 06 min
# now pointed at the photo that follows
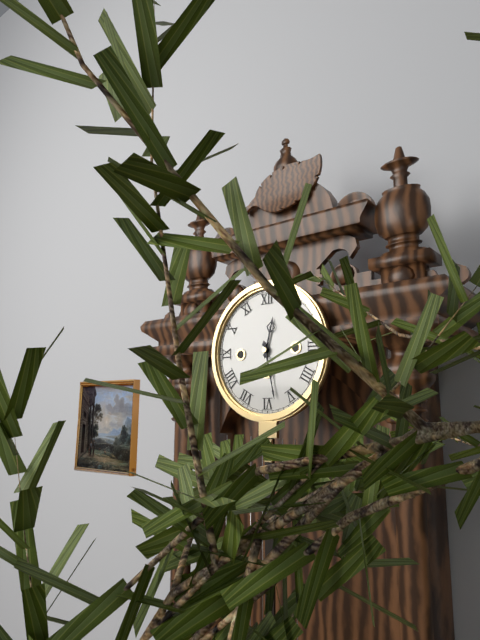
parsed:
12 h 28 min
